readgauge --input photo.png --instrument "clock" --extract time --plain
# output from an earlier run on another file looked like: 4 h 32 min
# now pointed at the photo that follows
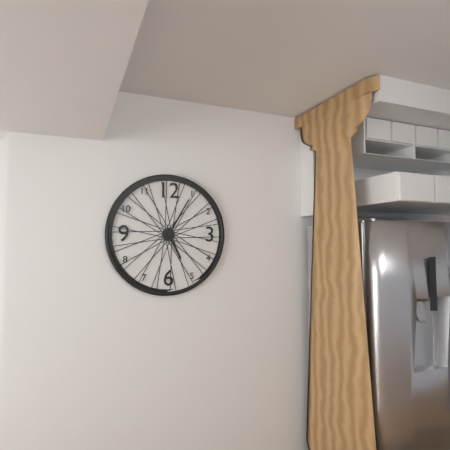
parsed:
5 h 05 min
